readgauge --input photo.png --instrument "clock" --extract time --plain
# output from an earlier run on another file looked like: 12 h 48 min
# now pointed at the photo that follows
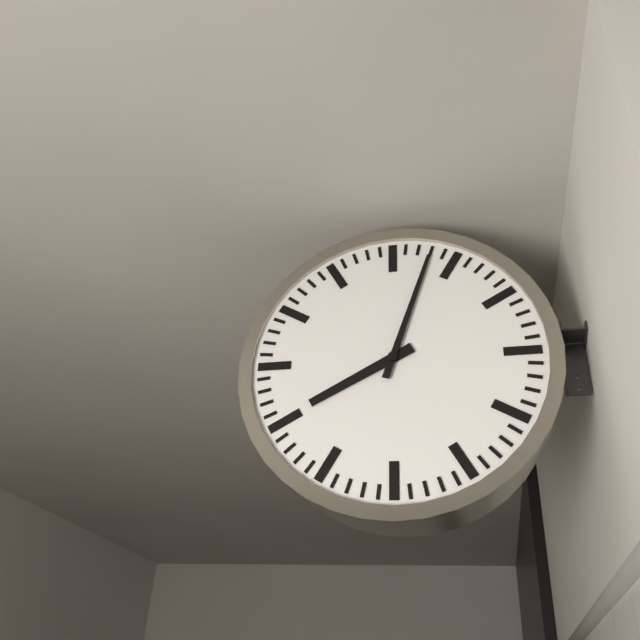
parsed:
8 h 03 min
